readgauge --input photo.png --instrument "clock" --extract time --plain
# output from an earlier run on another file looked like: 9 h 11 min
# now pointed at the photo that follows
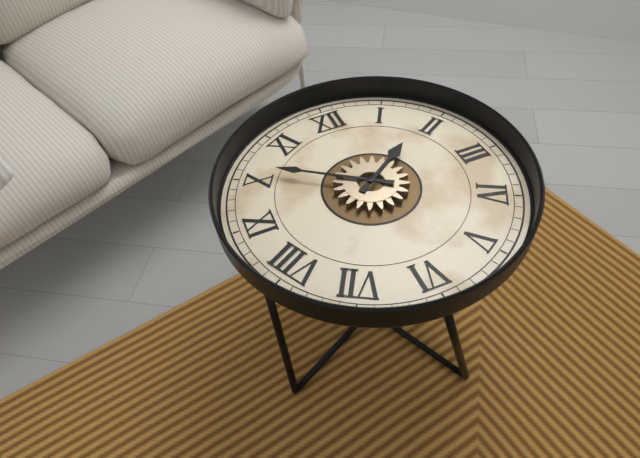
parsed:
1 h 51 min
